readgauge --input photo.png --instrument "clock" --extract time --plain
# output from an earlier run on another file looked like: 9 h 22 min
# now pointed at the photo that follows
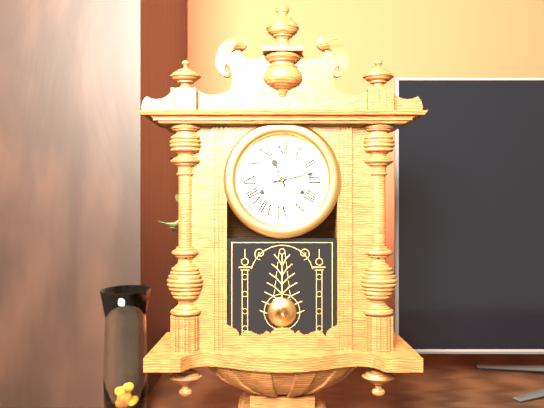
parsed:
11 h 13 min
